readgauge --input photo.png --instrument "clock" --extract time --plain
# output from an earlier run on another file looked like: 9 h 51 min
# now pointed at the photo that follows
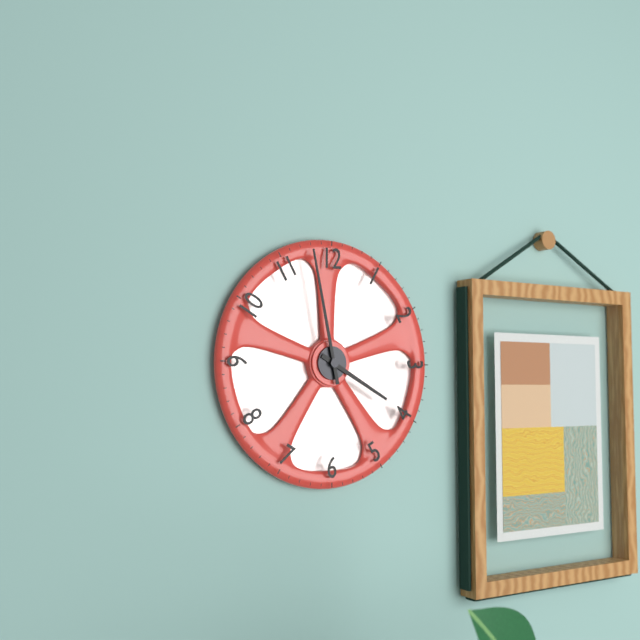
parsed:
3 h 58 min
